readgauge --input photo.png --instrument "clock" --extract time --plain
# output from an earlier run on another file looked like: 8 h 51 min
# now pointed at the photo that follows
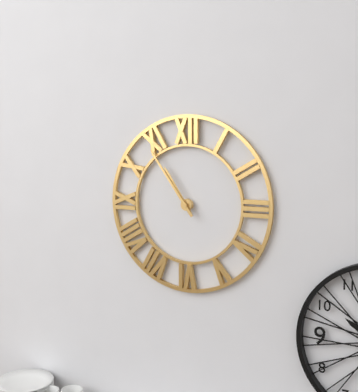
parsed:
10 h 54 min
